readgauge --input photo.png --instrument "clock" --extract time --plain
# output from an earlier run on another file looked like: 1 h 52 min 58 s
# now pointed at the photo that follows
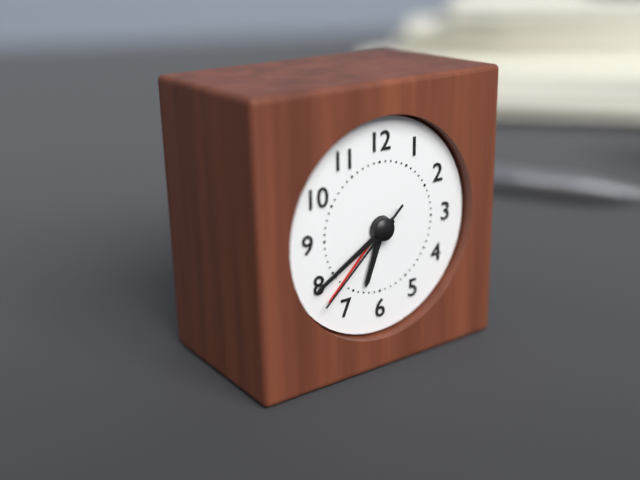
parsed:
6 h 40 min 38 s
